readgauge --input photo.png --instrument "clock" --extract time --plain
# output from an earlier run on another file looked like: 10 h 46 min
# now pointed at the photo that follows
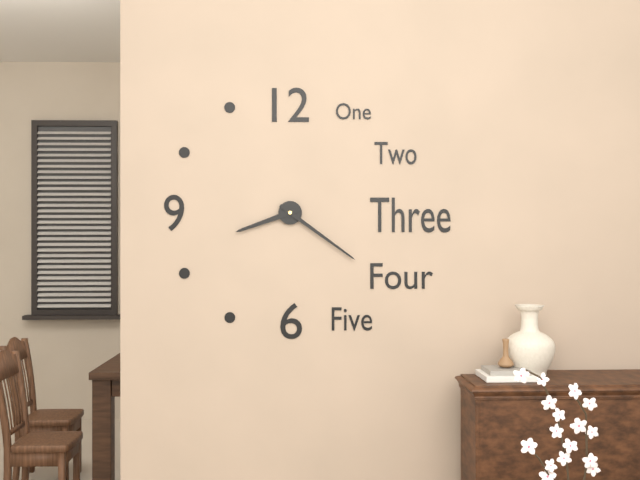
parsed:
8 h 21 min
